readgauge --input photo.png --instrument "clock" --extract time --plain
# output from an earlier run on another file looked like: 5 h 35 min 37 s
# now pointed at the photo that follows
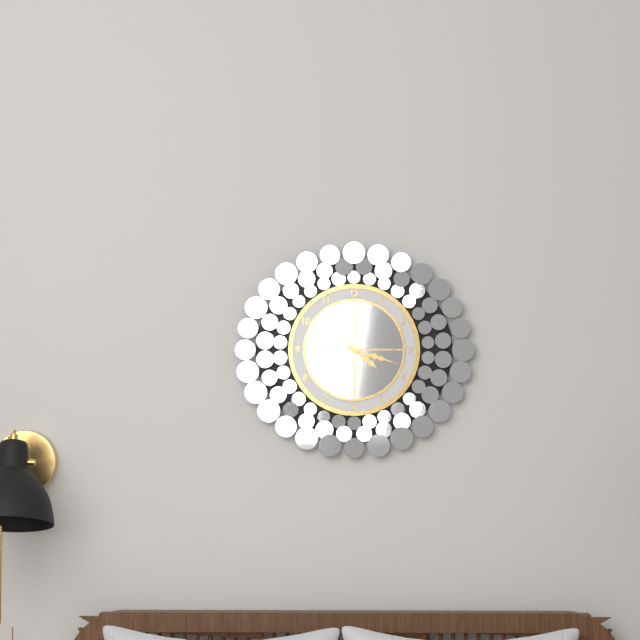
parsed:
4 h 18 min 51 s
